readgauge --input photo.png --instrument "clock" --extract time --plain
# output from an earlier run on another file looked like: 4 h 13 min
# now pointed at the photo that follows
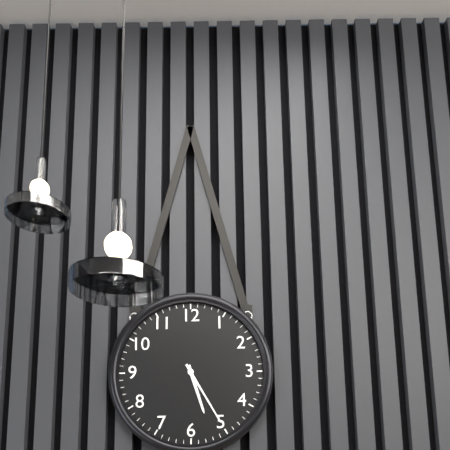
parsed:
5 h 25 min
